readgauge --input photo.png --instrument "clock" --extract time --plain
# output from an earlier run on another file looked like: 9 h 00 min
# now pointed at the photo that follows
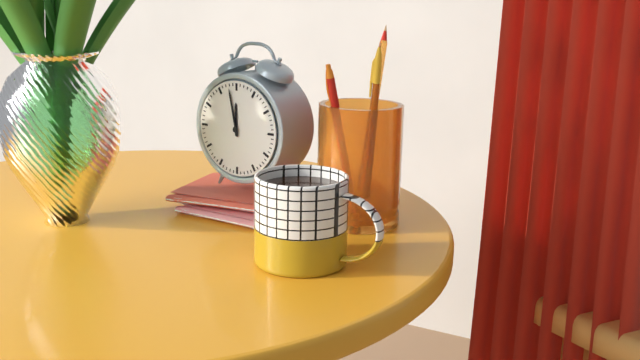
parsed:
11 h 58 min
